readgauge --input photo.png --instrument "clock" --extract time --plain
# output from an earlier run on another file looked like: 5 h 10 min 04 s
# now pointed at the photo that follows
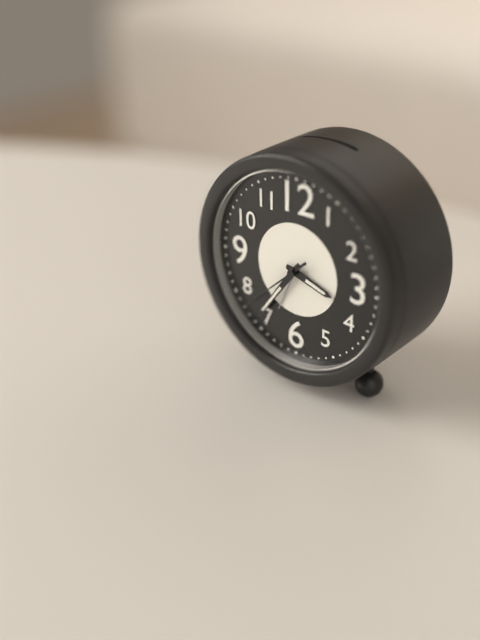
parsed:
3 h 36 min 38 s
